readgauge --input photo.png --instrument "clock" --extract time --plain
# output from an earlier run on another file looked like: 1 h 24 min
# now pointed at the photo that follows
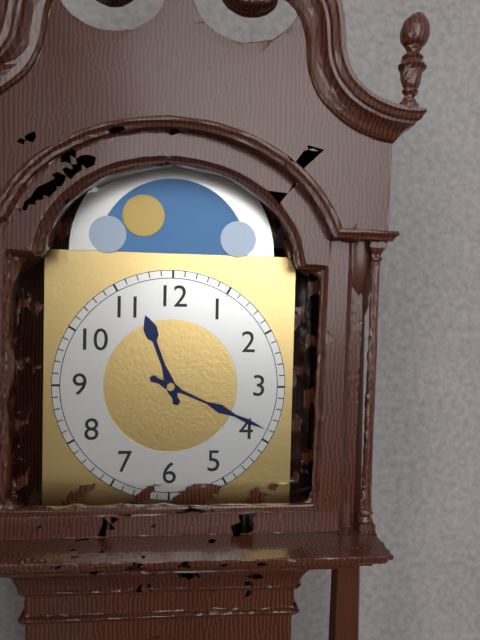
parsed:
11 h 19 min
